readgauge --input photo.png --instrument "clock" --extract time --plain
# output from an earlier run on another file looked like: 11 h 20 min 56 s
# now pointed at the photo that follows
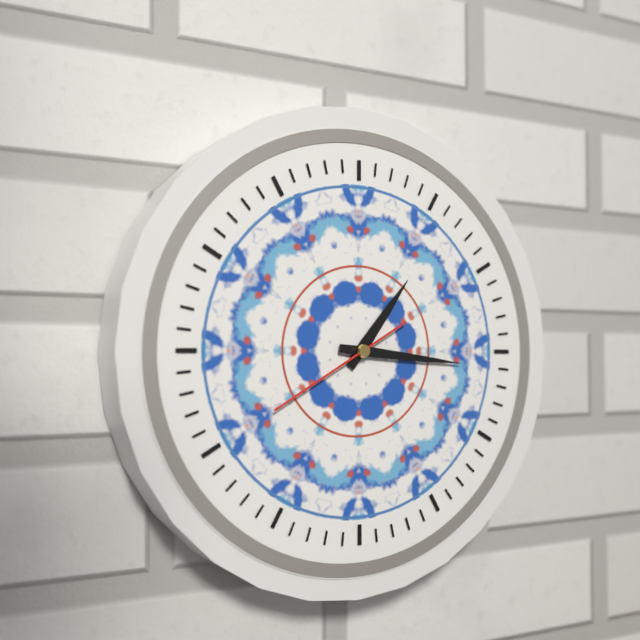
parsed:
1 h 16 min 40 s
